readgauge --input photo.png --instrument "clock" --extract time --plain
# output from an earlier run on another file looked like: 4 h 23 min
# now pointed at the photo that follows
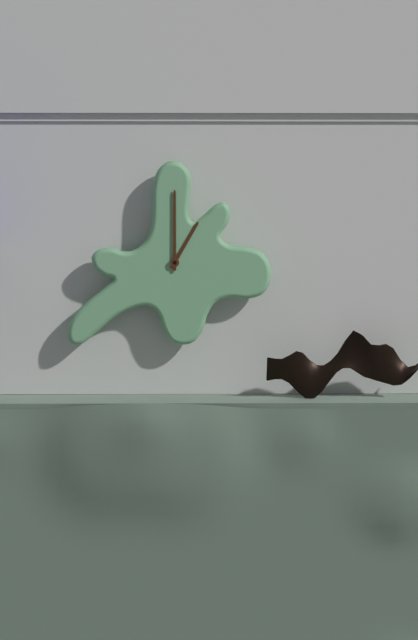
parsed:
1 h 00 min
